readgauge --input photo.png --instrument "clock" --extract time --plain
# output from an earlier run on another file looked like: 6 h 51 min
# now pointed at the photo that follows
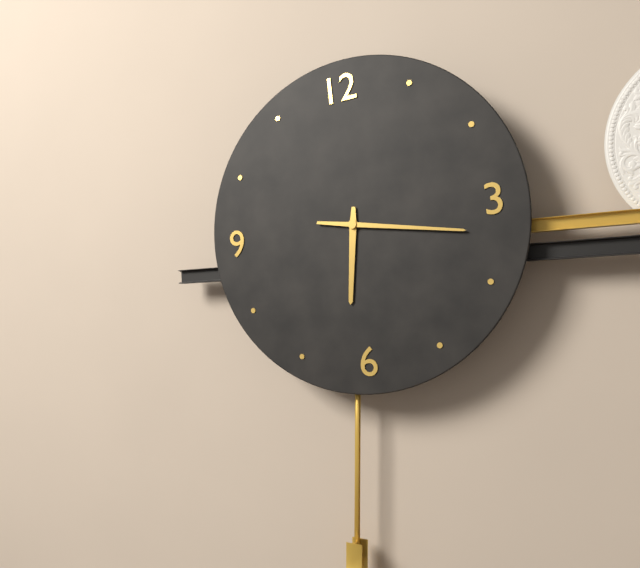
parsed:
6 h 17 min
